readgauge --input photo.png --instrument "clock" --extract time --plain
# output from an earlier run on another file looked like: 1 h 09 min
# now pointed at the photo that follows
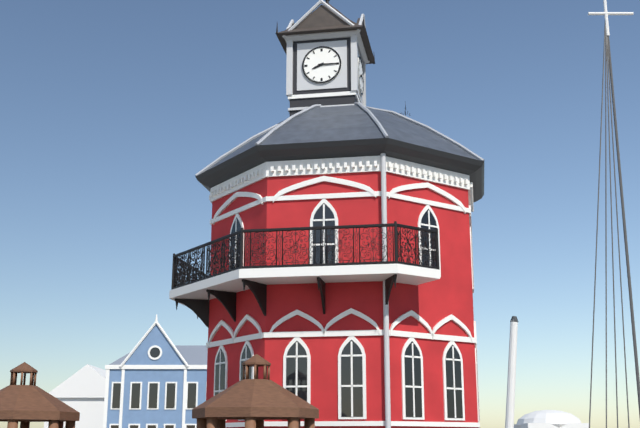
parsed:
8 h 15 min
